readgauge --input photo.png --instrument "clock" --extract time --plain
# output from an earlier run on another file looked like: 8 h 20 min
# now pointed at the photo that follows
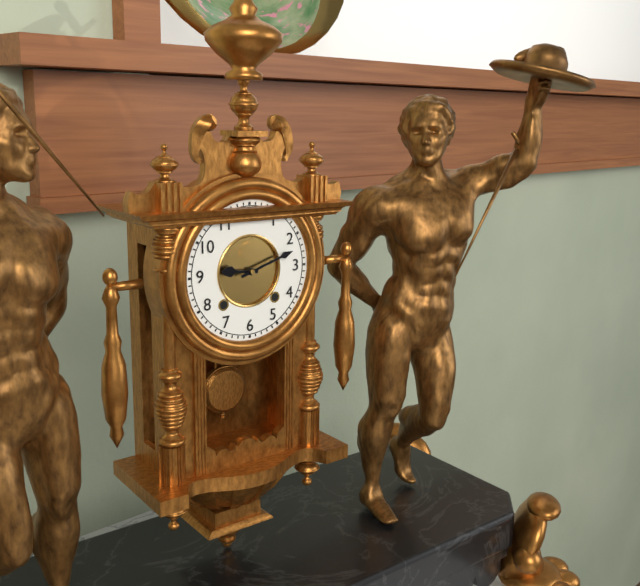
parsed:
9 h 12 min
